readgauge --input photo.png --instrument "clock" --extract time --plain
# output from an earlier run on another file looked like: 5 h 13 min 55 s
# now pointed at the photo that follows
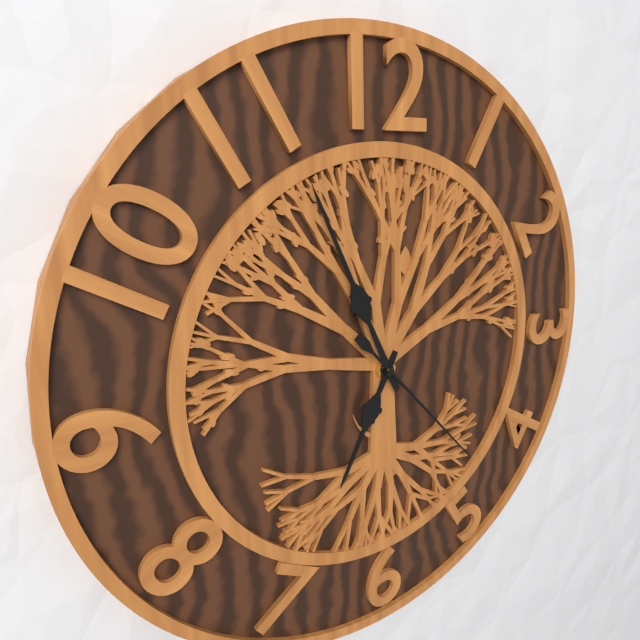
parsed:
6 h 56 min 23 s
